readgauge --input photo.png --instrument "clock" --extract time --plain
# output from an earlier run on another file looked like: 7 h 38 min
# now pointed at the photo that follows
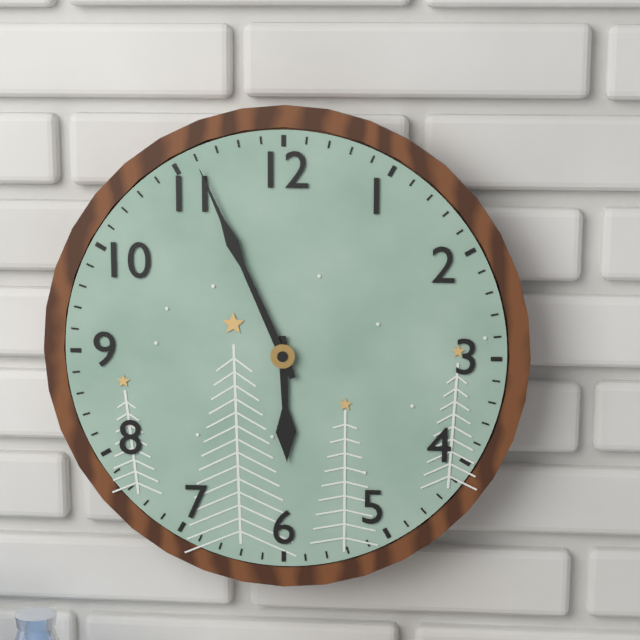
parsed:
5 h 56 min
